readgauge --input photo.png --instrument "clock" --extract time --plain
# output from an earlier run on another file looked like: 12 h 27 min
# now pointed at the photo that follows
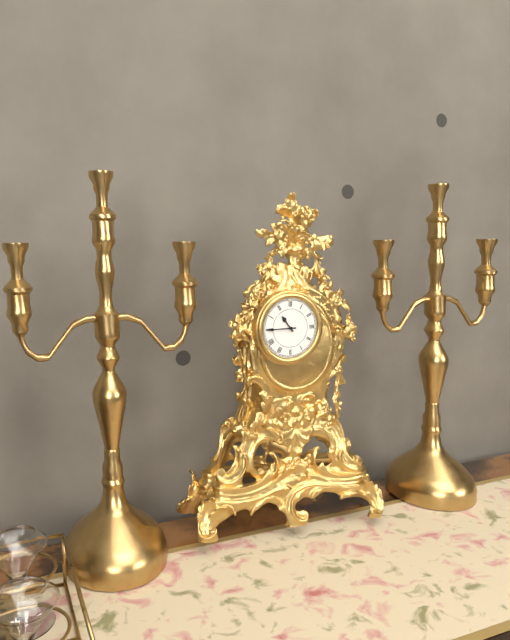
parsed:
10 h 45 min
